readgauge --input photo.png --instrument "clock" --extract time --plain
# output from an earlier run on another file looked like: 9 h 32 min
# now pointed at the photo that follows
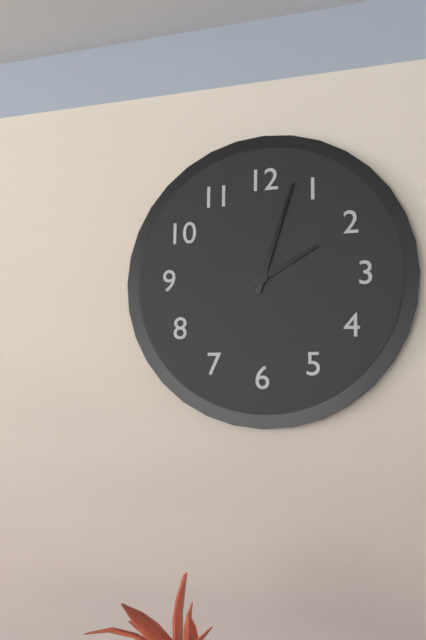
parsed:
2 h 03 min
